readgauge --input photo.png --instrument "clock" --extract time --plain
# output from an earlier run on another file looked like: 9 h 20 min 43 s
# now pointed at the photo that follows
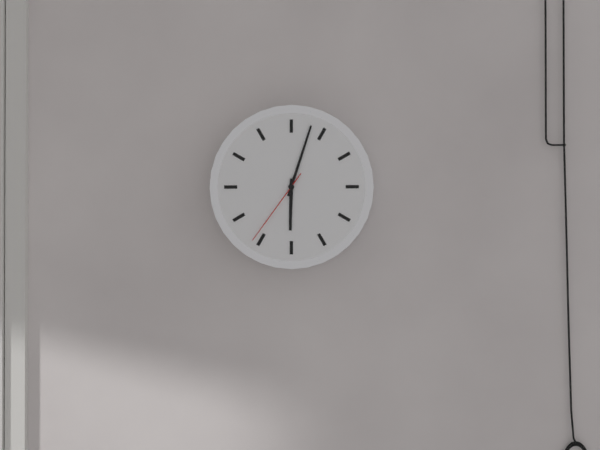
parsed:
6 h 03 min 36 s
